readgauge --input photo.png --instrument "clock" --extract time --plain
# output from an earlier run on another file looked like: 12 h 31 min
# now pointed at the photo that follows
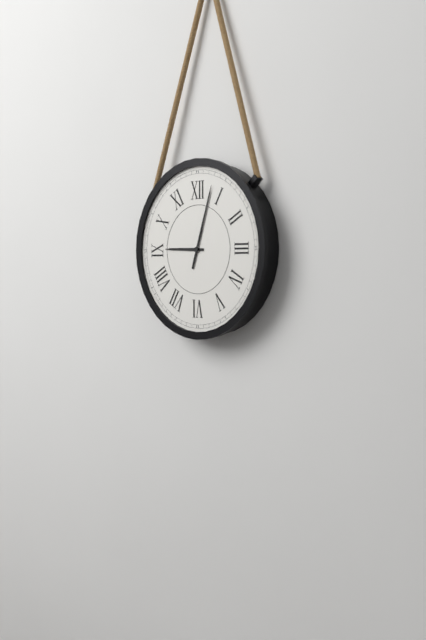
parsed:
9 h 03 min
